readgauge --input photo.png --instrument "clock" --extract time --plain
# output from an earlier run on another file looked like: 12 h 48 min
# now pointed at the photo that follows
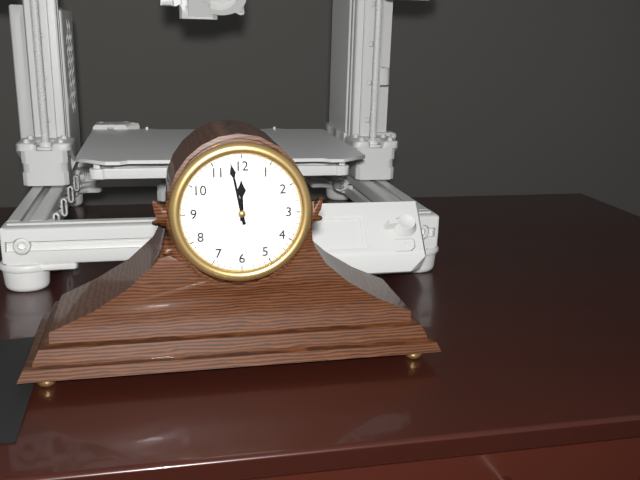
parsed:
11 h 58 min
